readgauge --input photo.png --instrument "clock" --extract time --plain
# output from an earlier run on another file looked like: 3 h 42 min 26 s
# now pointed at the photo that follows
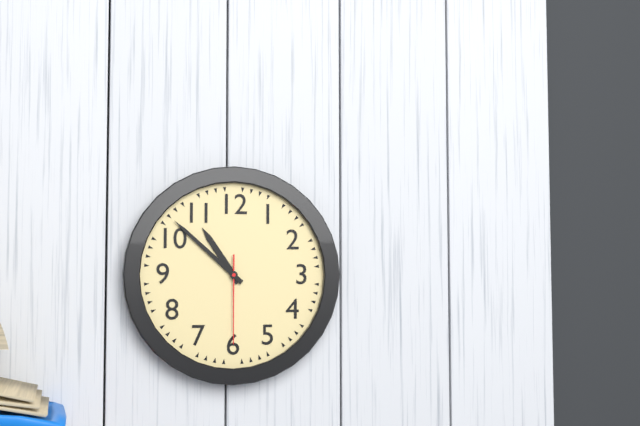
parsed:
10 h 52 min 30 s
